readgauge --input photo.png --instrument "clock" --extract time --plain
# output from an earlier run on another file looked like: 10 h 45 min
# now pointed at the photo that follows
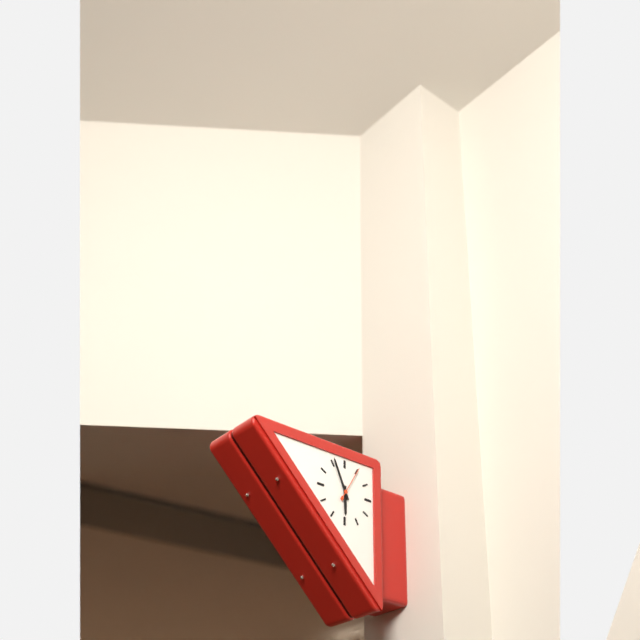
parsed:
5 h 56 min
